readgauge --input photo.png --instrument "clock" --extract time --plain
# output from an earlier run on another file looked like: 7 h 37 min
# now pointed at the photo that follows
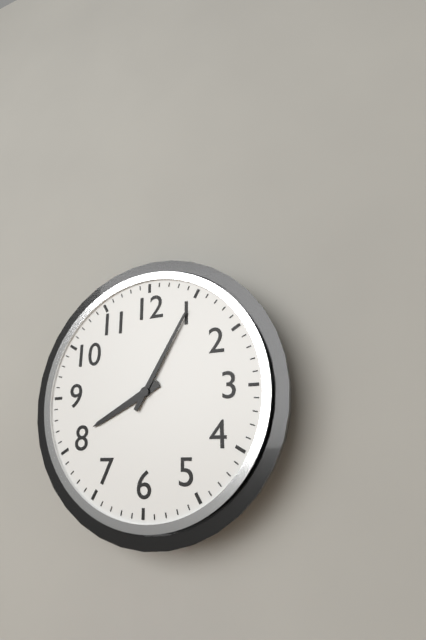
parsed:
8 h 05 min
